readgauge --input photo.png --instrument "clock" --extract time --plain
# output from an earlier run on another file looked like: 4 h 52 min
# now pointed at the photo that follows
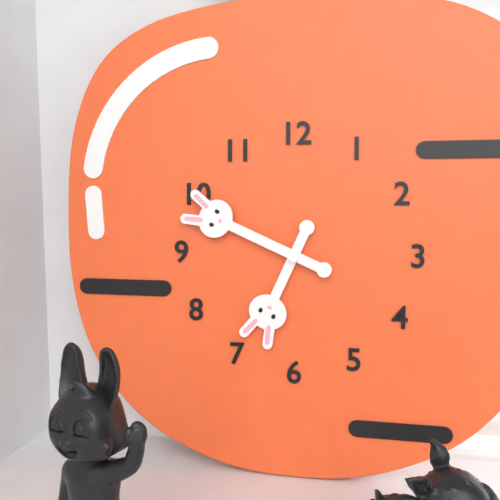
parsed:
6 h 49 min
